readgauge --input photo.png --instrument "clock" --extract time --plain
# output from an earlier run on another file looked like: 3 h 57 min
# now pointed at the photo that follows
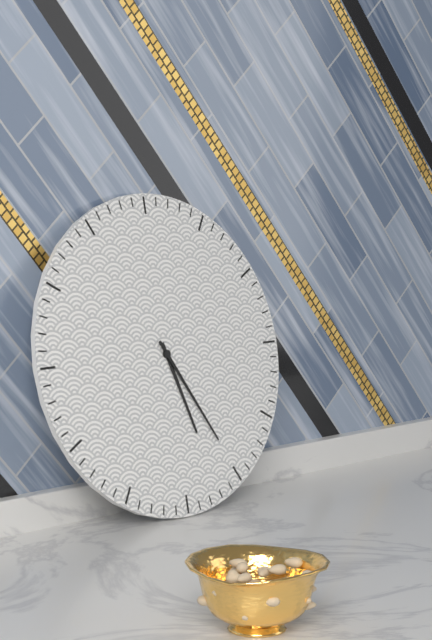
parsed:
5 h 25 min
